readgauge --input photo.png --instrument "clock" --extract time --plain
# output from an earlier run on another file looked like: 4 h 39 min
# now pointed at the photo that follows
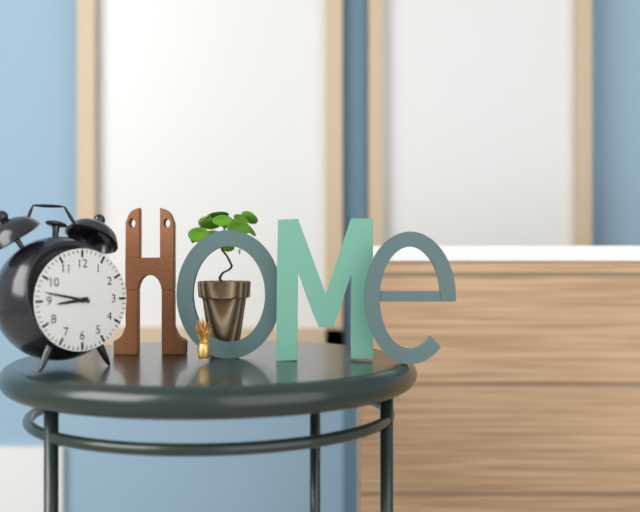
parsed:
8 h 47 min
